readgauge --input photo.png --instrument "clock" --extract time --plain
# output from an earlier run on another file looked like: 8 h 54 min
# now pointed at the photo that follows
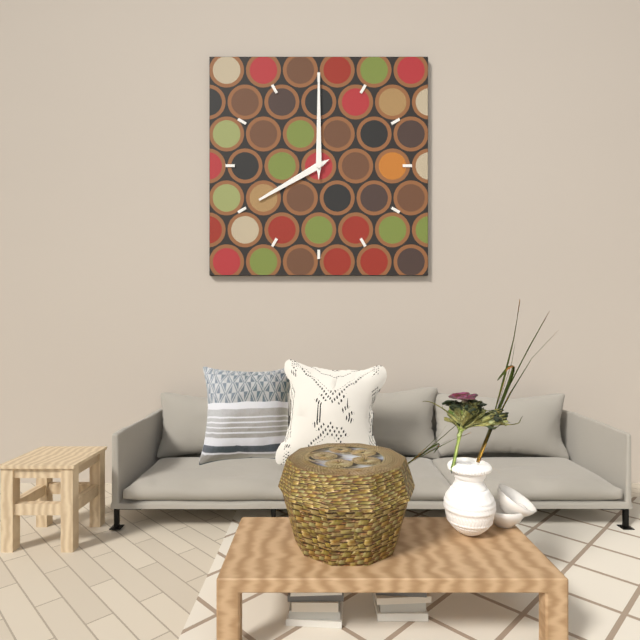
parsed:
8 h 00 min
